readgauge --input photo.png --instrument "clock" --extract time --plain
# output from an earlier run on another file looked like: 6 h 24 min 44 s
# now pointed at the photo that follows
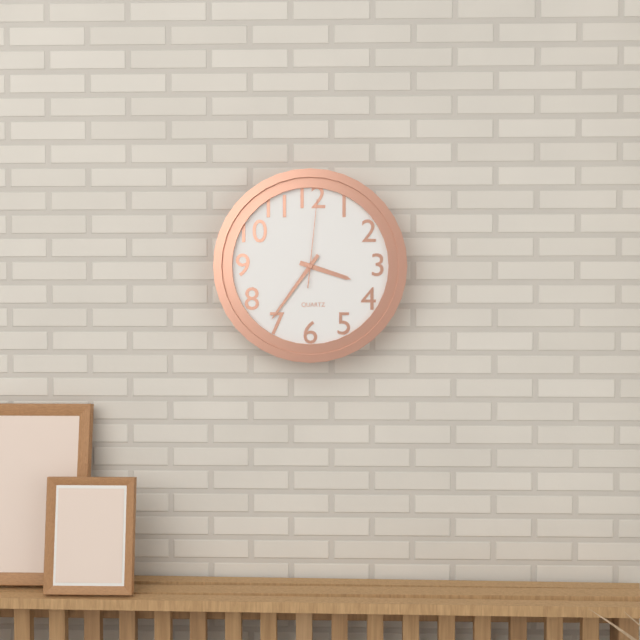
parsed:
3 h 36 min 01 s
